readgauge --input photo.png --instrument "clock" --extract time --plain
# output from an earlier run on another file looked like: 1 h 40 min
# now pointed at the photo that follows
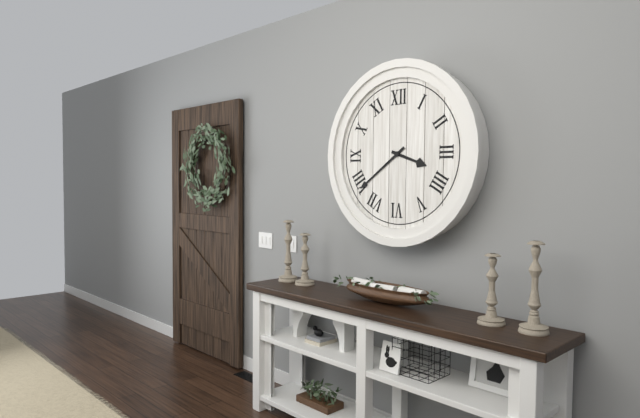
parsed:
3 h 39 min
